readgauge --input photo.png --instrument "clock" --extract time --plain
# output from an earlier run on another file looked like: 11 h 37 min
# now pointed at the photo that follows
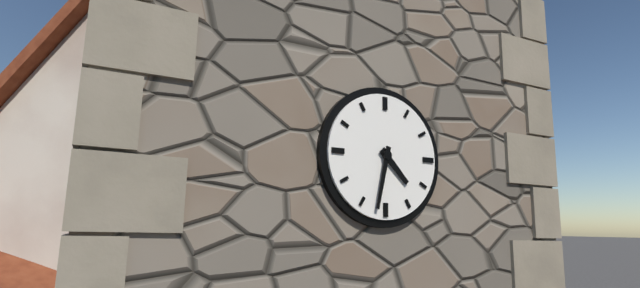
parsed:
4 h 32 min
